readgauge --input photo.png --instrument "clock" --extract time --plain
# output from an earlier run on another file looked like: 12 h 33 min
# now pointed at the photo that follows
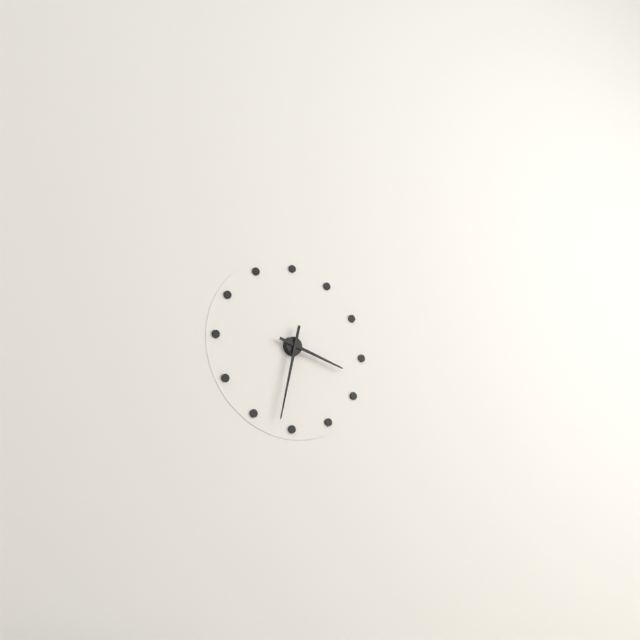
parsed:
3 h 32 min
